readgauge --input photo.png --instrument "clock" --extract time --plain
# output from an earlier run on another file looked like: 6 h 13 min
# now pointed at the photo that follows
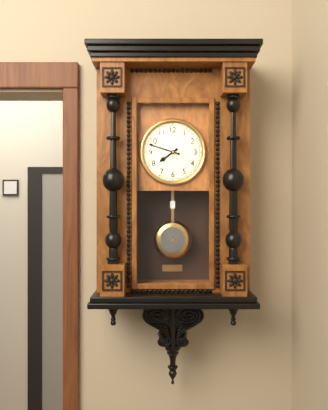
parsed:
7 h 48 min
